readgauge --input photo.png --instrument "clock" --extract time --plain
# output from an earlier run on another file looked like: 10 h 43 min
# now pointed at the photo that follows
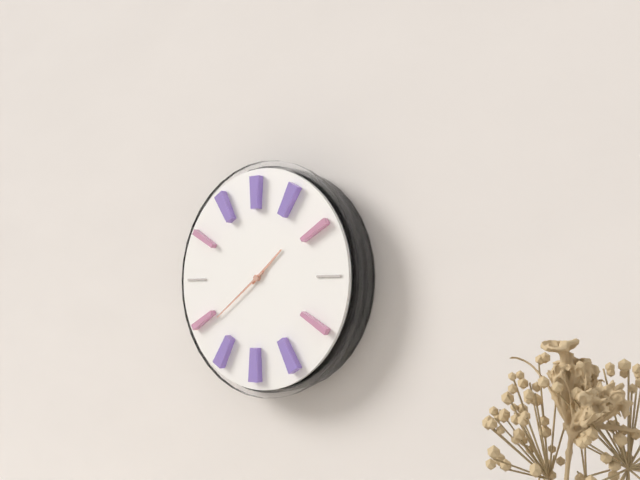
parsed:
1 h 39 min
